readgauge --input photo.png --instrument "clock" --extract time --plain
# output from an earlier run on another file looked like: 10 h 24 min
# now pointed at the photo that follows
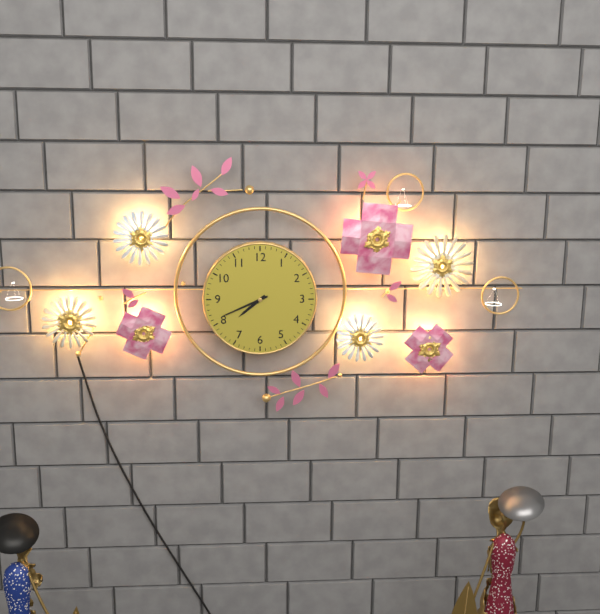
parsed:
7 h 41 min
